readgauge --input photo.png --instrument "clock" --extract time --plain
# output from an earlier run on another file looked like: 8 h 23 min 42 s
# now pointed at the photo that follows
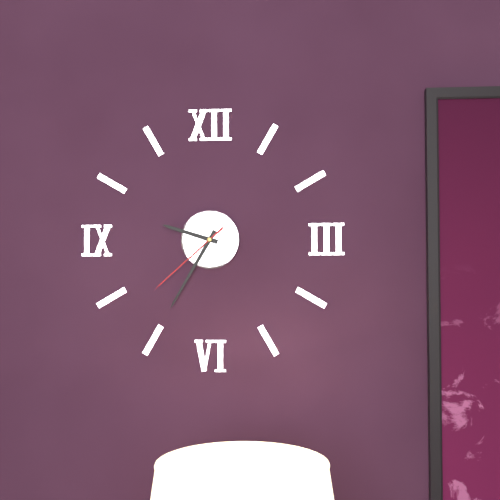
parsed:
9 h 35 min 38 s
